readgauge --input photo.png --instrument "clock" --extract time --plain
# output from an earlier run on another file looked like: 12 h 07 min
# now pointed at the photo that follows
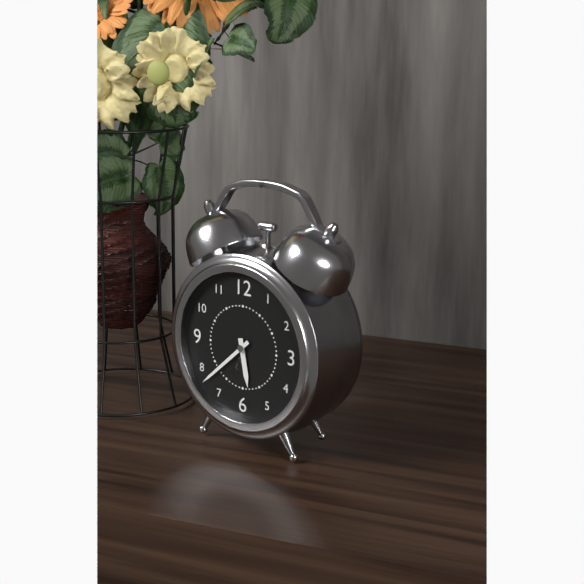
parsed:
5 h 38 min
